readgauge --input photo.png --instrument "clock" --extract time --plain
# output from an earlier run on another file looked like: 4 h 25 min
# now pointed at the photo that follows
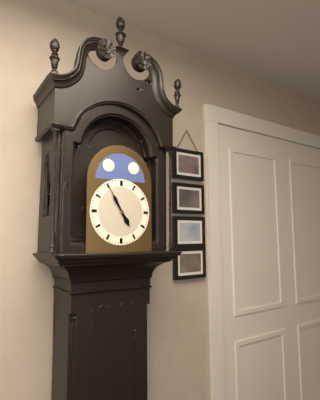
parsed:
4 h 55 min
